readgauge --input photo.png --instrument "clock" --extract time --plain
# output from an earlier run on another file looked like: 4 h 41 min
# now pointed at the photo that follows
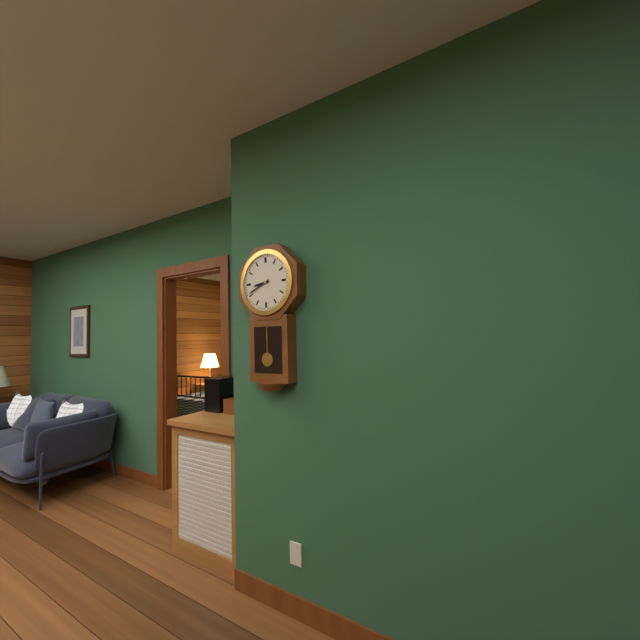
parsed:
8 h 41 min
